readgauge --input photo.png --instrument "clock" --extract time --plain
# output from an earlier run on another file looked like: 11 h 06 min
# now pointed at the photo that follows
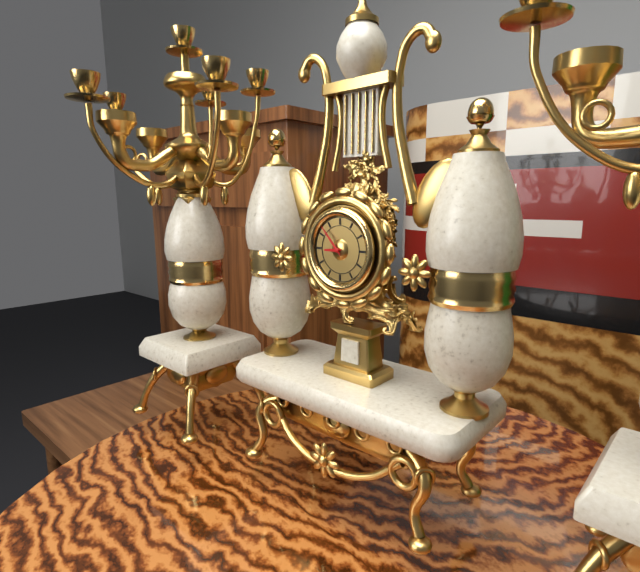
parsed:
8 h 53 min
